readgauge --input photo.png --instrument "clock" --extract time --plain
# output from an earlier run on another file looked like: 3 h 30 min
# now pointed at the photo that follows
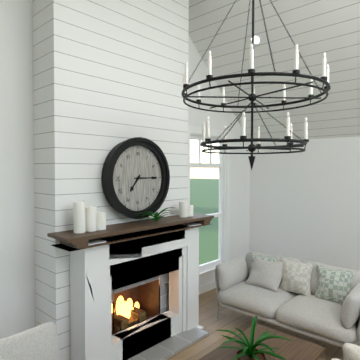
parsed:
7 h 15 min
